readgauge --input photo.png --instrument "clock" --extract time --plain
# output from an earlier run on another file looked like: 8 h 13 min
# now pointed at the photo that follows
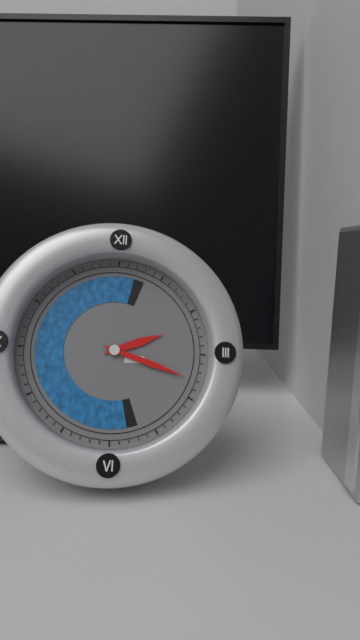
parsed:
2 h 18 min
